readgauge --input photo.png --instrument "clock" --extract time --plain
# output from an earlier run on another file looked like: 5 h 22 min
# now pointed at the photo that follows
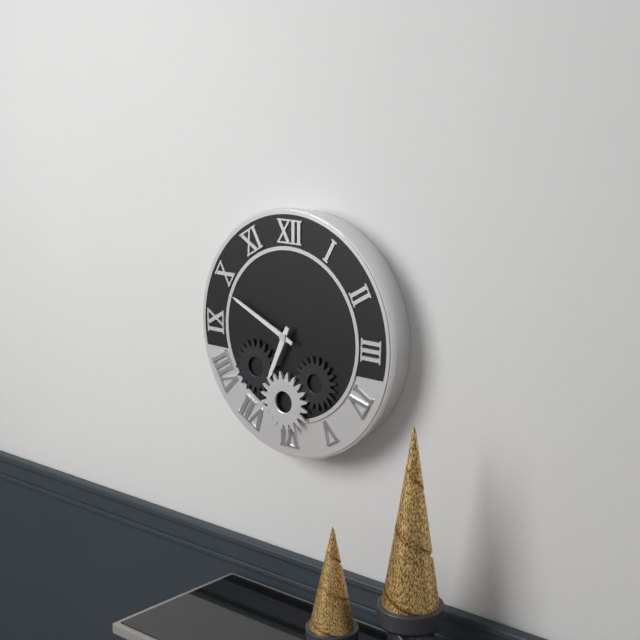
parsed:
6 h 49 min
